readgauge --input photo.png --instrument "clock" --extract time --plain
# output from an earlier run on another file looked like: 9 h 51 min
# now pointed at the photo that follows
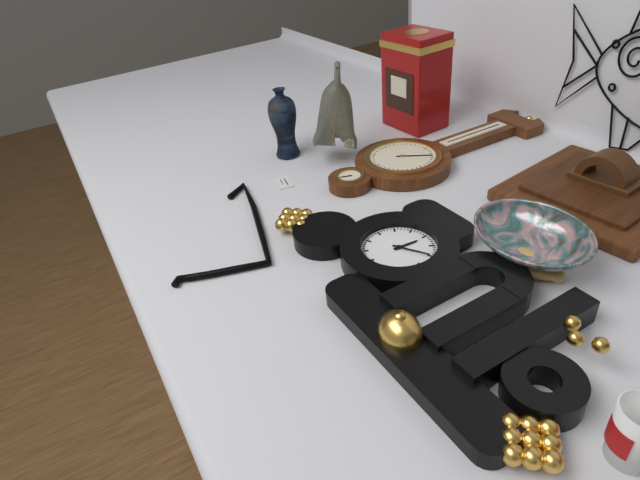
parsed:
12 h 10 min
